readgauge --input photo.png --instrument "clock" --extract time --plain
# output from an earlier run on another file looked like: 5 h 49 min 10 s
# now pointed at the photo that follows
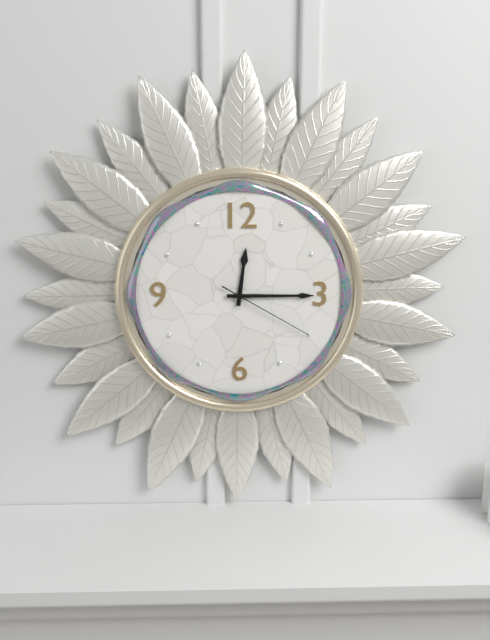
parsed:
12 h 15 min 20 s
